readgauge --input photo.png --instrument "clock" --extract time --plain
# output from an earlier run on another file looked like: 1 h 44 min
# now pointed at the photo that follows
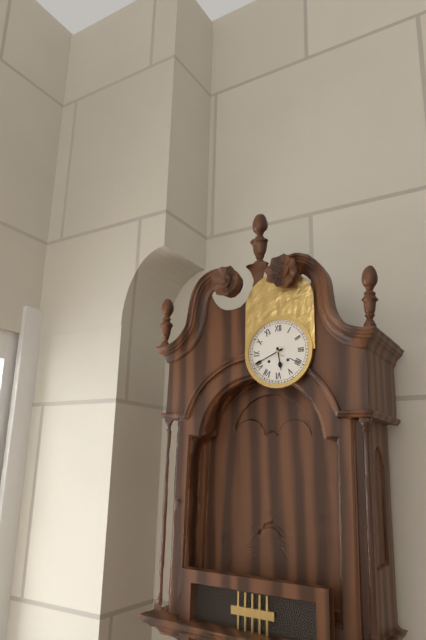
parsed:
5 h 41 min
